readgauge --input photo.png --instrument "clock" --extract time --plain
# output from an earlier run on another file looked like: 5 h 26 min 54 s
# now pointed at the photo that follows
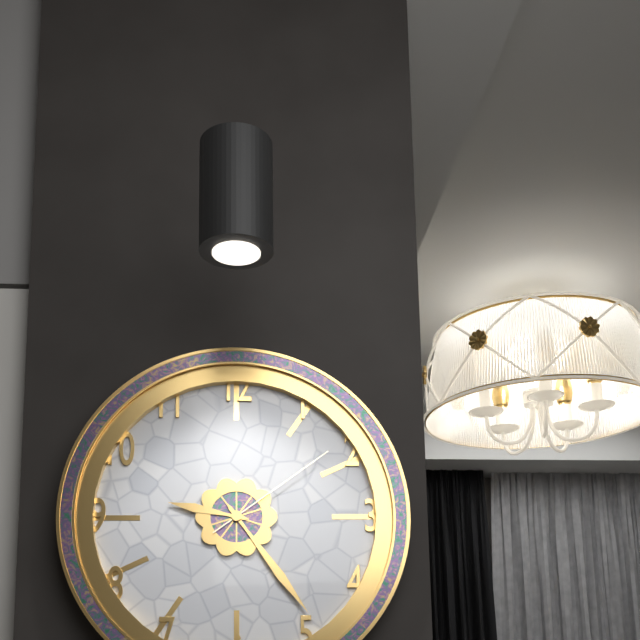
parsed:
9 h 24 min 09 s
